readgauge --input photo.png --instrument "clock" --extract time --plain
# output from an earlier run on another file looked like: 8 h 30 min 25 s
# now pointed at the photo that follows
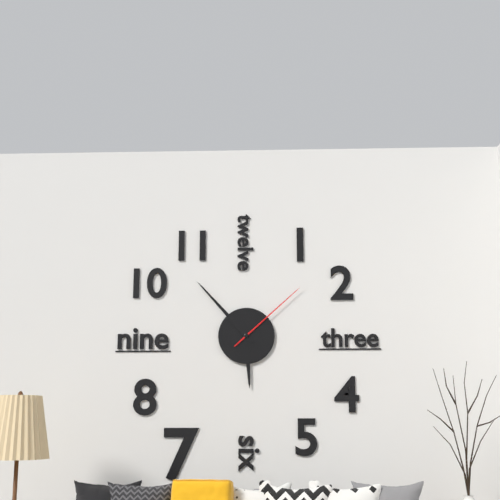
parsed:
5 h 53 min 08 s
